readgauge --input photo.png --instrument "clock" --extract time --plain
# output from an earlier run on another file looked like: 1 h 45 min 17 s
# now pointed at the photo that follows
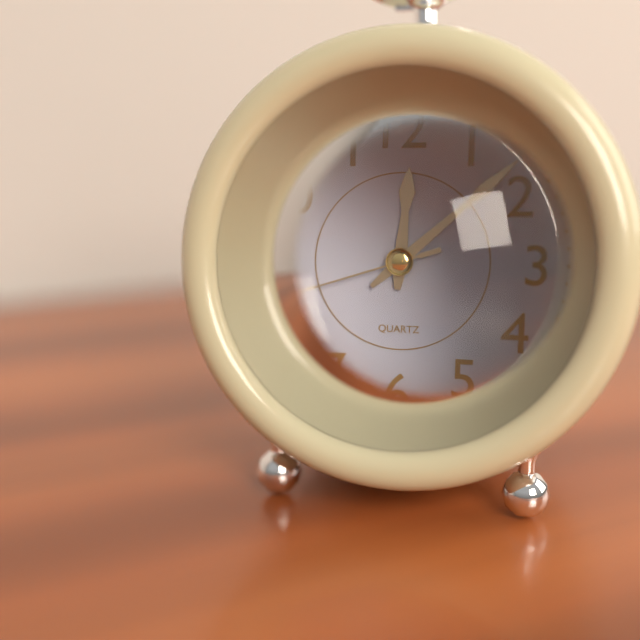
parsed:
12 h 08 min 42 s
